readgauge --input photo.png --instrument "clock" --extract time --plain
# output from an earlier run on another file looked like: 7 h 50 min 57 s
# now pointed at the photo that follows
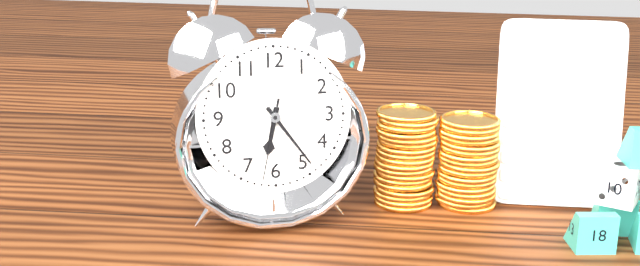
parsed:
6 h 24 min 32 s
